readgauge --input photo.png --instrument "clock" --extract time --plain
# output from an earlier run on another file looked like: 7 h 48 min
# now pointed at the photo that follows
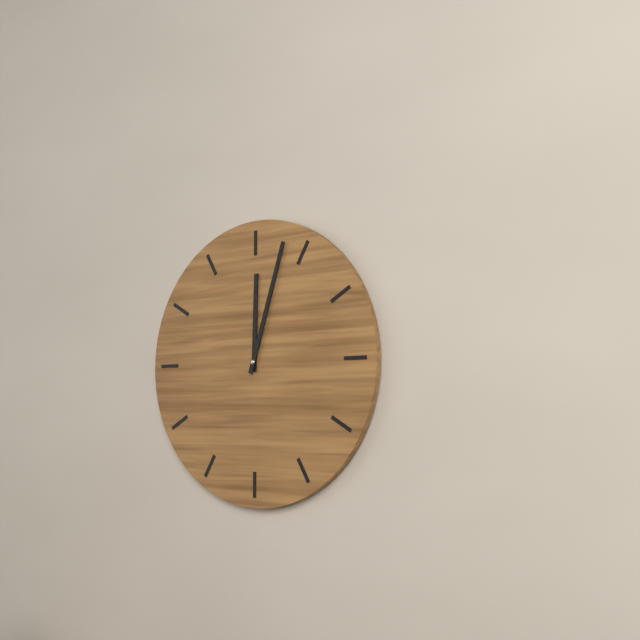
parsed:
12 h 03 min
